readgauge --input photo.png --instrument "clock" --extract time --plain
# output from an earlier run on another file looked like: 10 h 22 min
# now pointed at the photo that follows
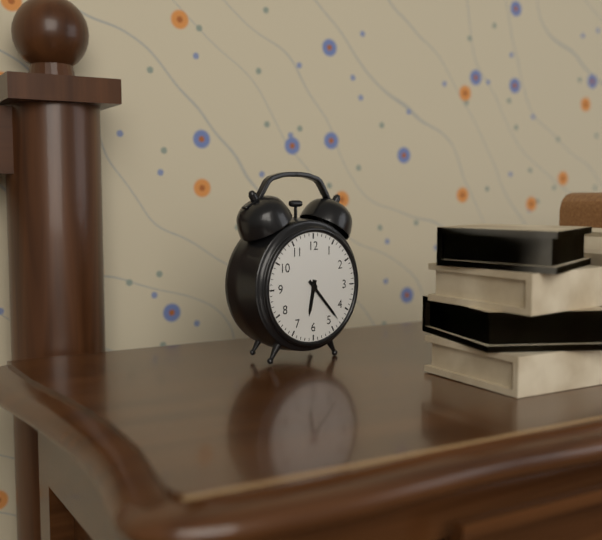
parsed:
6 h 23 min
